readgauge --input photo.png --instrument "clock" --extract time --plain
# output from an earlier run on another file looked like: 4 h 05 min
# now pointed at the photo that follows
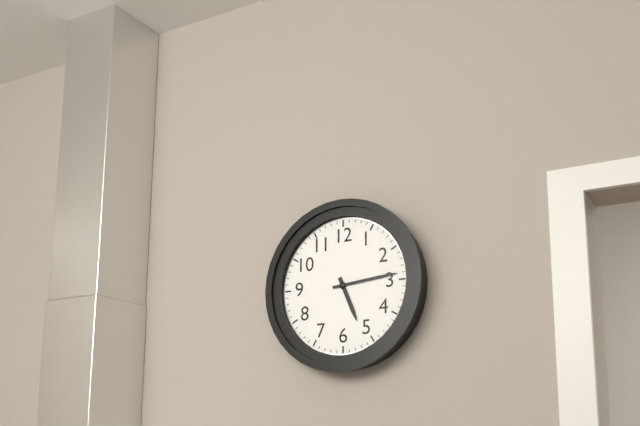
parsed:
5 h 14 min
